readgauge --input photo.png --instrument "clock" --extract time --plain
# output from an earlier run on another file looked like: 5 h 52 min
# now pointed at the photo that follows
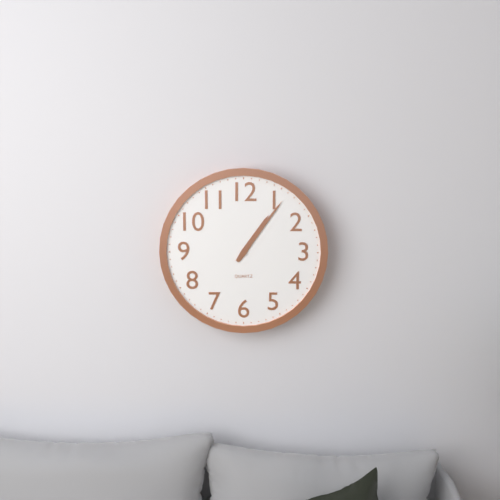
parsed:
1 h 06 min
